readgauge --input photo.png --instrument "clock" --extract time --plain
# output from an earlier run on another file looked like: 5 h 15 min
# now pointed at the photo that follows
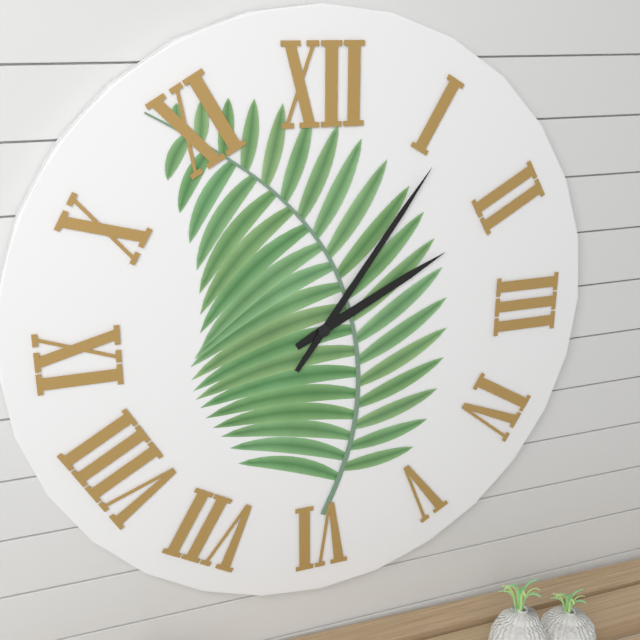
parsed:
2 h 06 min
